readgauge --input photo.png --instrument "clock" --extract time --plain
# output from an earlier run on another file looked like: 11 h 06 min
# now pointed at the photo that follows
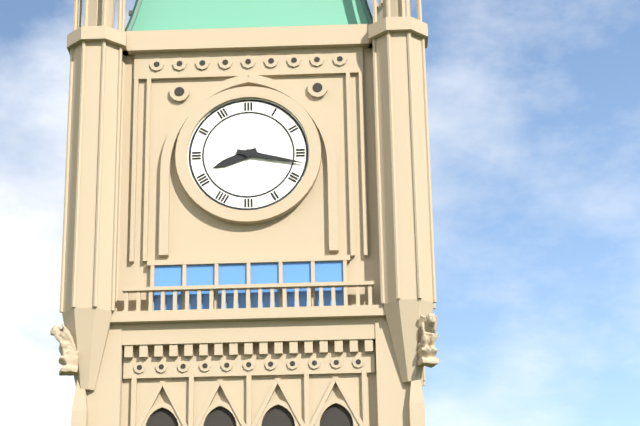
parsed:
8 h 17 min
